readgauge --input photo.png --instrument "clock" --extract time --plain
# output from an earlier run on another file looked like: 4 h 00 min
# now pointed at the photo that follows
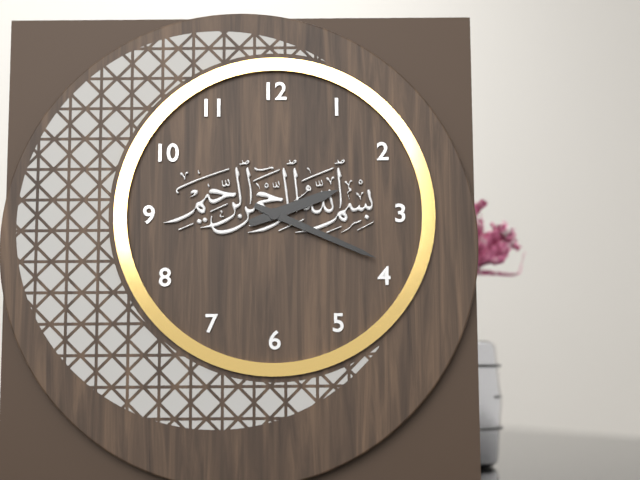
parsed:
2 h 19 min
